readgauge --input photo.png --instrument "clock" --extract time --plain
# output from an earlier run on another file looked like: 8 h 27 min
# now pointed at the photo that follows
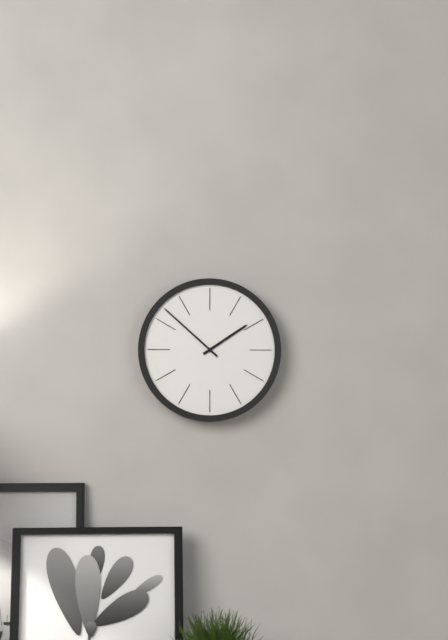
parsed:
1 h 52 min
